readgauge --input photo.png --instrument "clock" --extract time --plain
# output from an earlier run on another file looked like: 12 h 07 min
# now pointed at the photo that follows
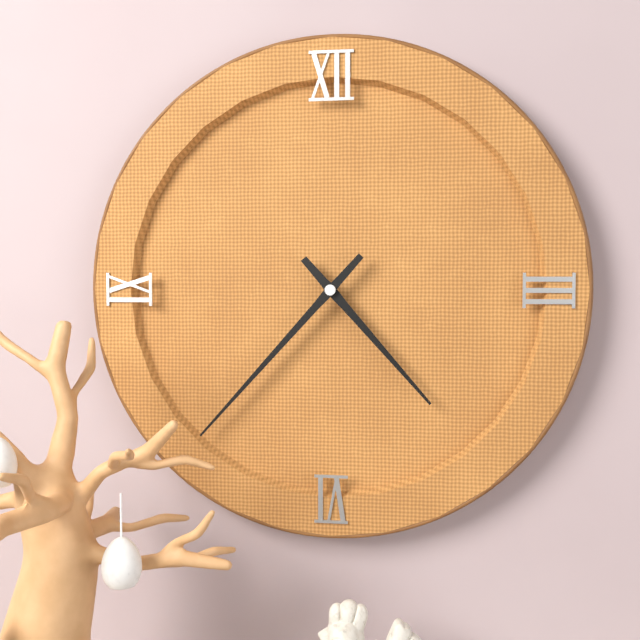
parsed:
4 h 37 min
